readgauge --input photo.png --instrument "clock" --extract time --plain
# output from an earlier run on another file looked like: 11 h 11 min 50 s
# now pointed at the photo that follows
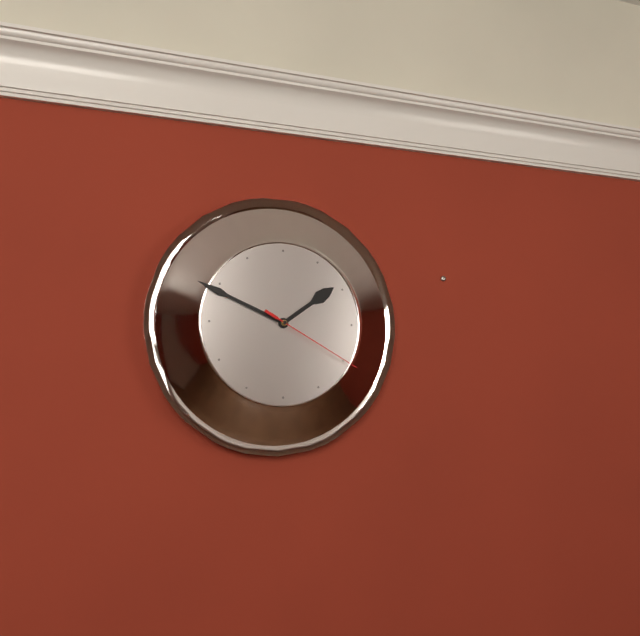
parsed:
1 h 49 min 20 s
